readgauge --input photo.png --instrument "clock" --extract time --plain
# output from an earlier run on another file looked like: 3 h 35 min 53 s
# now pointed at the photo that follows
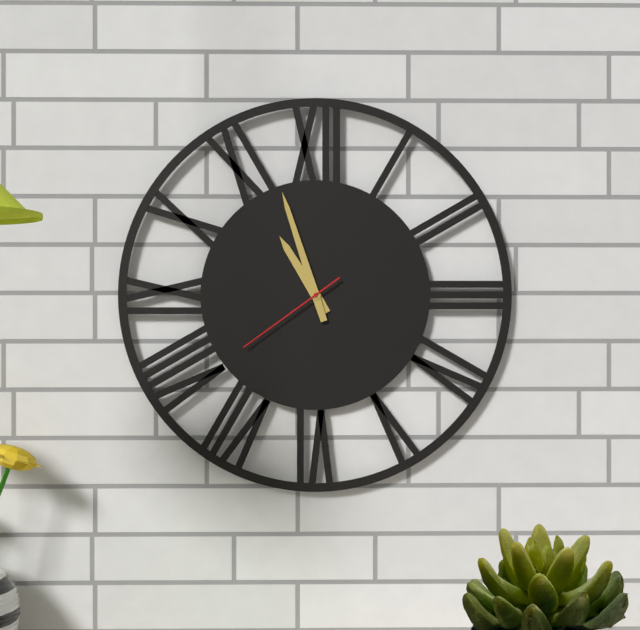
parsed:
10 h 57 min 39 s
